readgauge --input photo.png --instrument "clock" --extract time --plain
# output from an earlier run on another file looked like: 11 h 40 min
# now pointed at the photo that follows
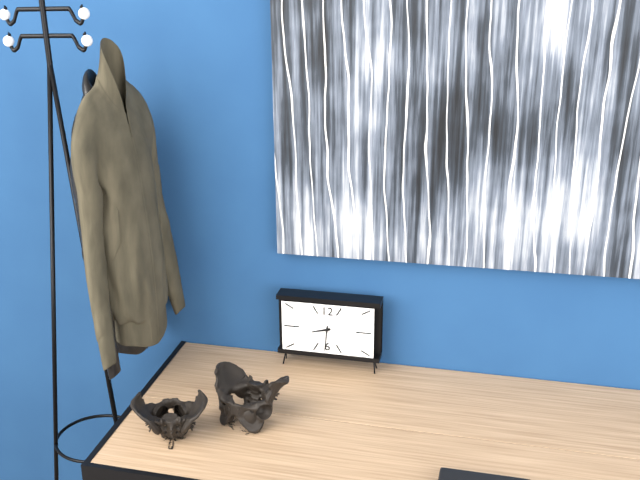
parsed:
8 h 31 min
